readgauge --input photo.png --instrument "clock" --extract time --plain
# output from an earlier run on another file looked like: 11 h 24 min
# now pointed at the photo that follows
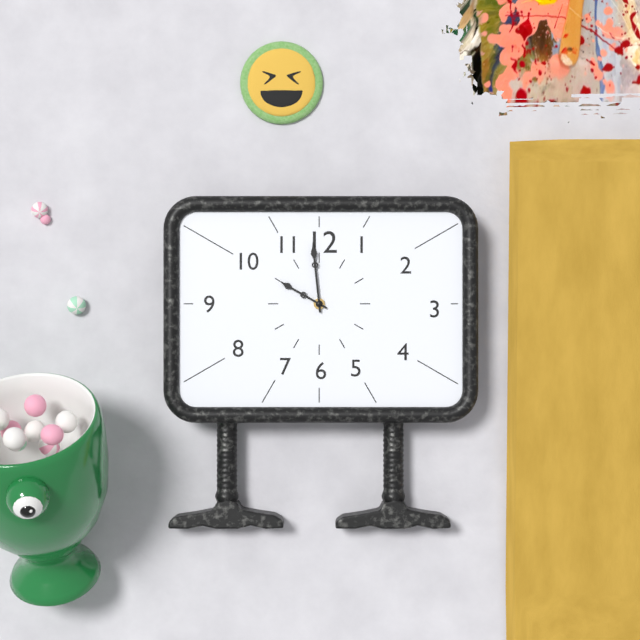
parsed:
9 h 59 min
